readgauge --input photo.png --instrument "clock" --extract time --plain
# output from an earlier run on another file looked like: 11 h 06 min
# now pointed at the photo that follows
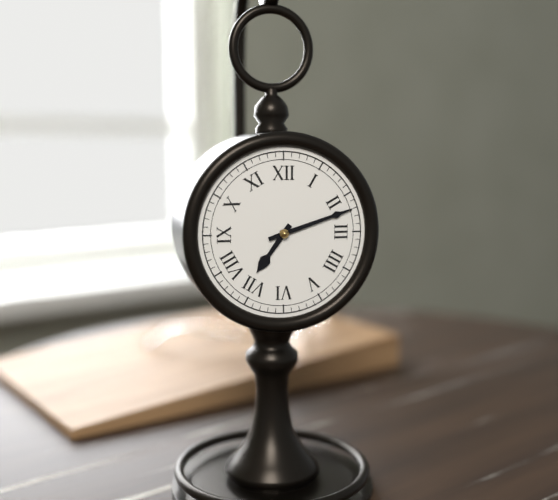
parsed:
7 h 12 min
